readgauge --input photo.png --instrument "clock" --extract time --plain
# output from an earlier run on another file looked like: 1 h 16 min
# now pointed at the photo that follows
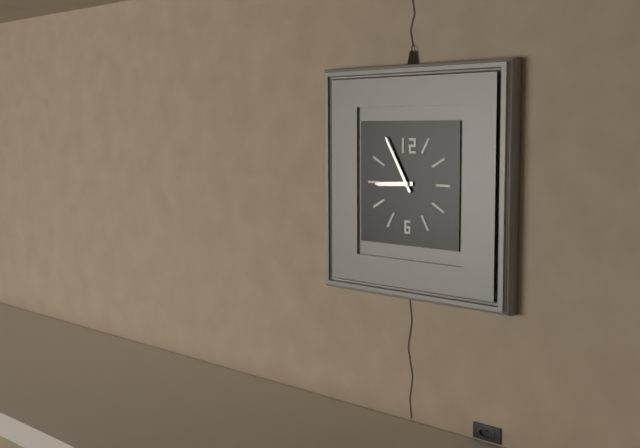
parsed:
8 h 55 min
